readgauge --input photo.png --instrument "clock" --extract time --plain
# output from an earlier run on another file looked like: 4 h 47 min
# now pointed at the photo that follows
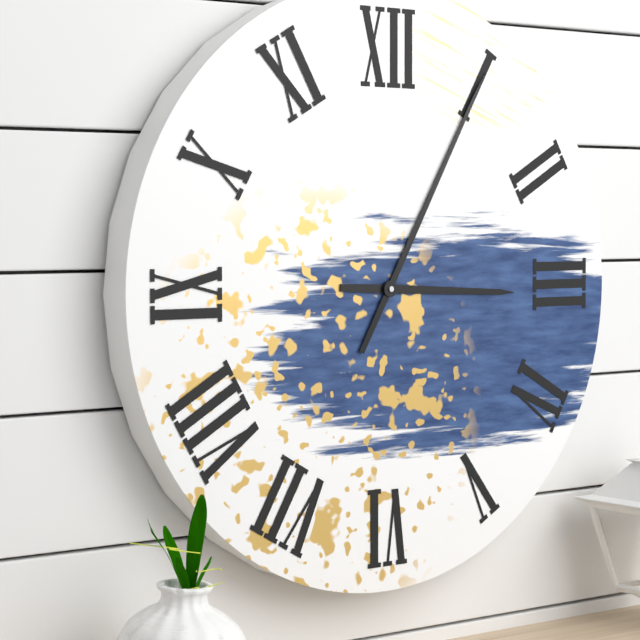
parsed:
3 h 05 min
